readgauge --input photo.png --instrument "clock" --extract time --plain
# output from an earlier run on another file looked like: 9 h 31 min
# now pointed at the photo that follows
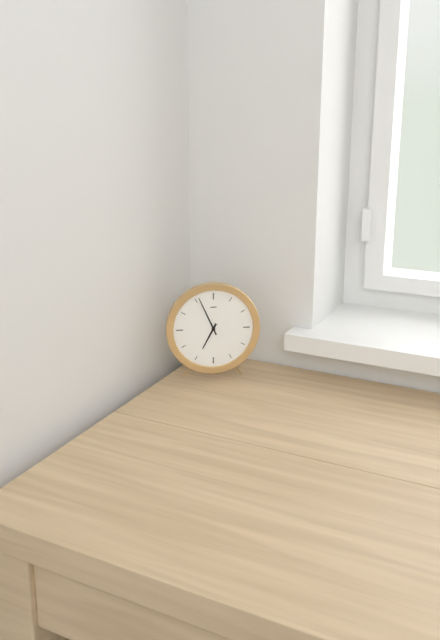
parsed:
6 h 56 min
